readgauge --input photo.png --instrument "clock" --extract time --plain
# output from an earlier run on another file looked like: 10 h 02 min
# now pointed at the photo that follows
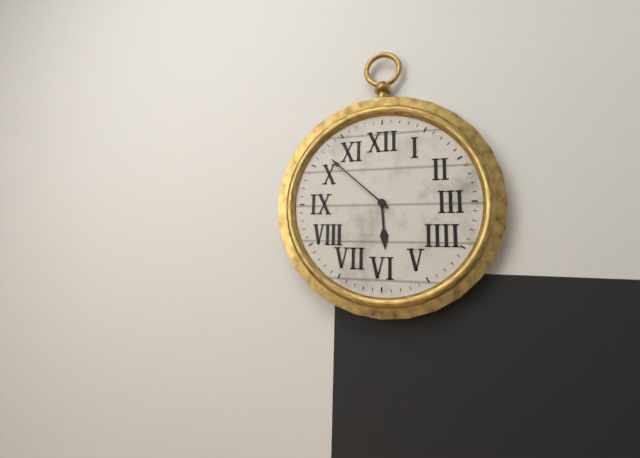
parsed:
5 h 52 min
